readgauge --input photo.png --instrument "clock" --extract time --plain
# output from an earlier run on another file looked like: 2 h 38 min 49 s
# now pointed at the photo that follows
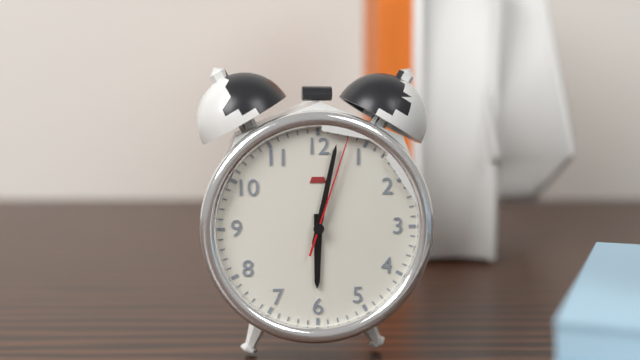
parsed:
6 h 02 min 03 s
